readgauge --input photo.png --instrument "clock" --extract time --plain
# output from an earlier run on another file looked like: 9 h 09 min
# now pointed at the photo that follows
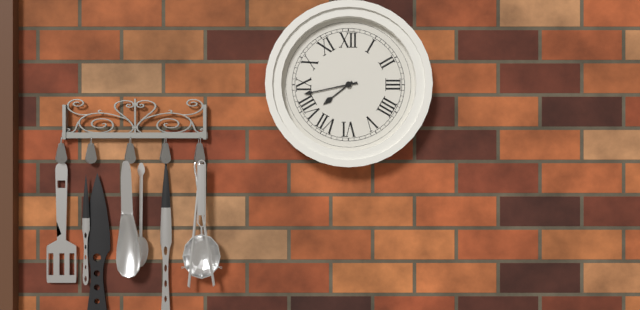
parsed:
7 h 43 min
